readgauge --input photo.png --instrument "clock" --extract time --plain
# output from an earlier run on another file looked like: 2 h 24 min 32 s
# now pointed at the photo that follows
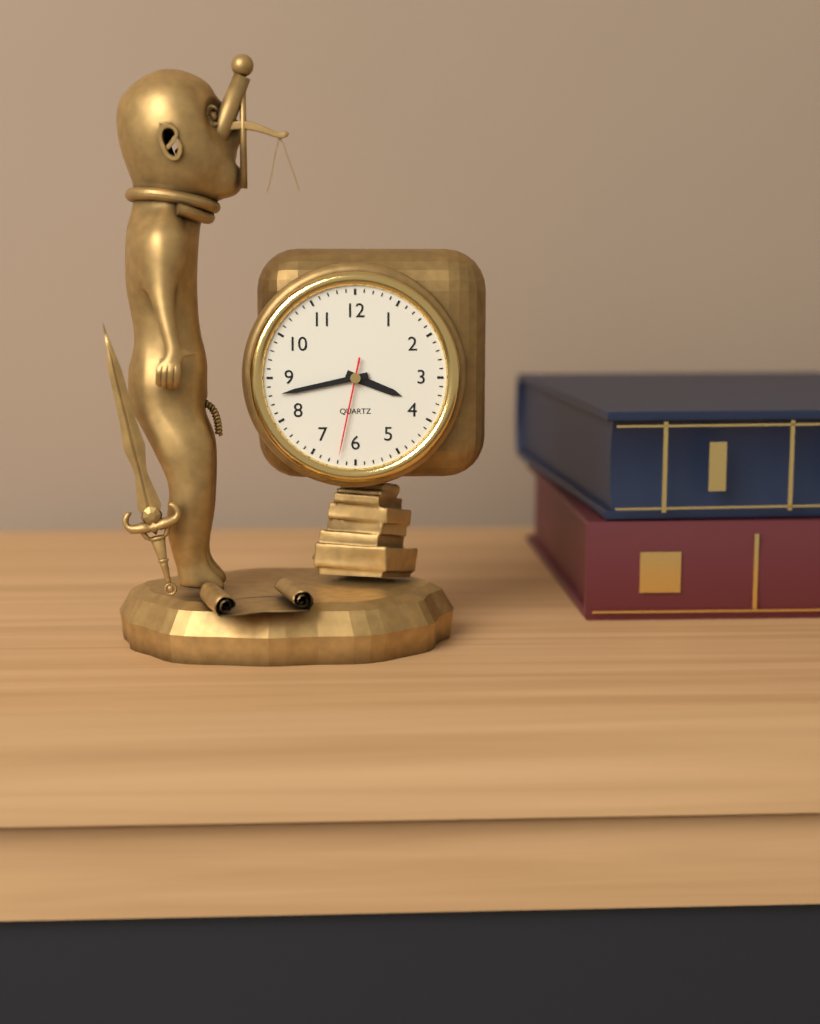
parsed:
3 h 43 min 32 s
